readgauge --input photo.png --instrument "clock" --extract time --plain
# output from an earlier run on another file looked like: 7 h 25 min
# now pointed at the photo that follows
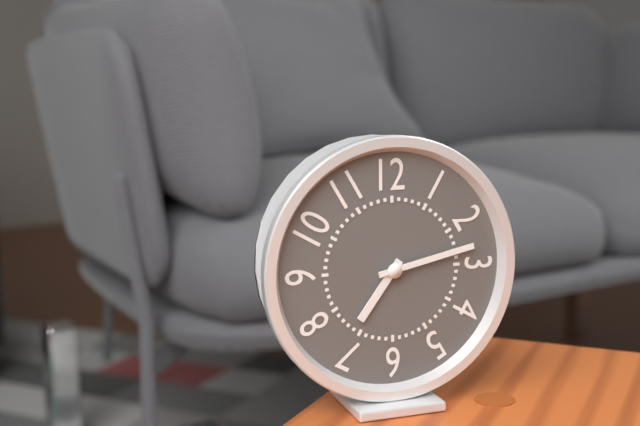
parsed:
7 h 13 min
